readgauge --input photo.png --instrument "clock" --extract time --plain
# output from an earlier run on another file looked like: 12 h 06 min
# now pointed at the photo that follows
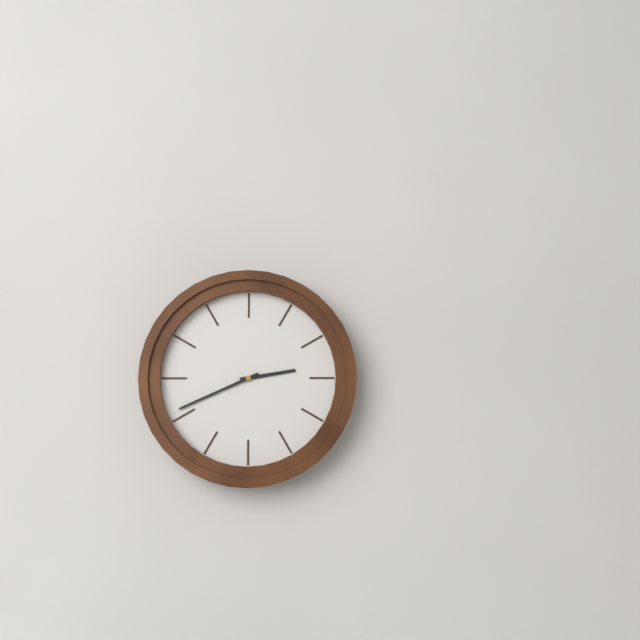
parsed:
2 h 41 min
